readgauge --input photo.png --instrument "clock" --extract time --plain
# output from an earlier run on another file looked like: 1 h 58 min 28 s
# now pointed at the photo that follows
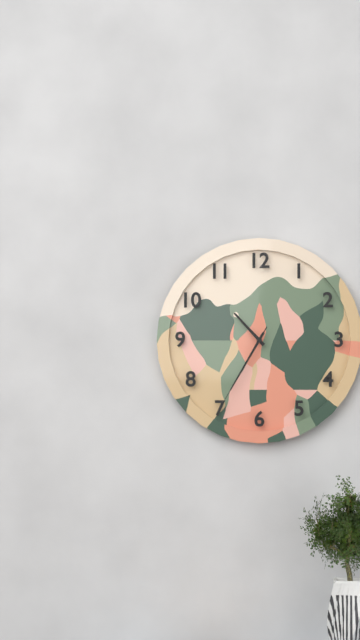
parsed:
10 h 35 min 35 s
